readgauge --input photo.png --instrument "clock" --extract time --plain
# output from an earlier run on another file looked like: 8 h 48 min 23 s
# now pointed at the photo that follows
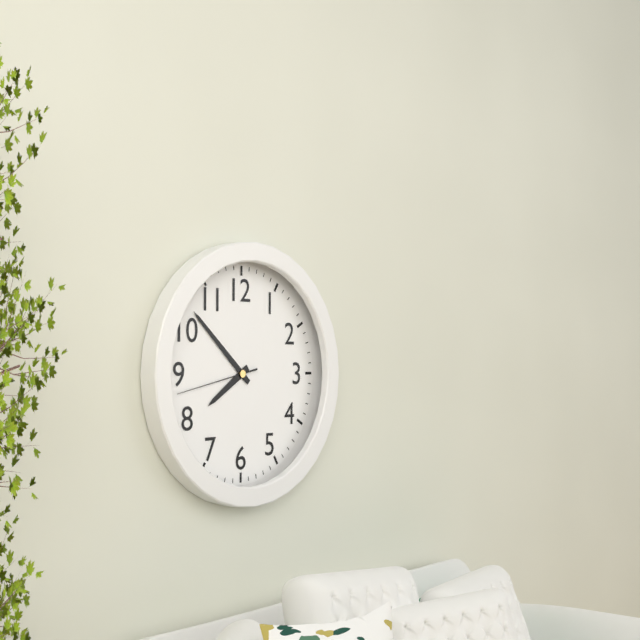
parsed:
7 h 52 min 43 s
